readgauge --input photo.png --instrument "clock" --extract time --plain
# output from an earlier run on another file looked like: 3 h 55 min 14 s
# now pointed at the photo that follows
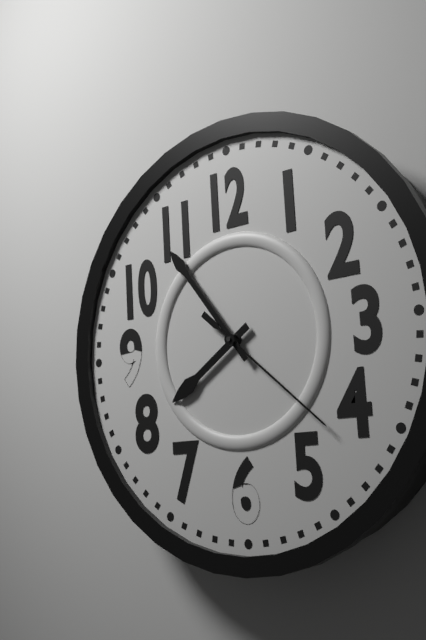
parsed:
7 h 54 min 22 s
